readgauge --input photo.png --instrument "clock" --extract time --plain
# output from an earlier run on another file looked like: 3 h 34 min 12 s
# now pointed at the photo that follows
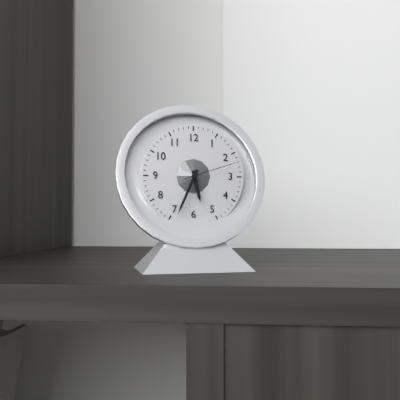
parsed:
5 h 34 min 12 s
